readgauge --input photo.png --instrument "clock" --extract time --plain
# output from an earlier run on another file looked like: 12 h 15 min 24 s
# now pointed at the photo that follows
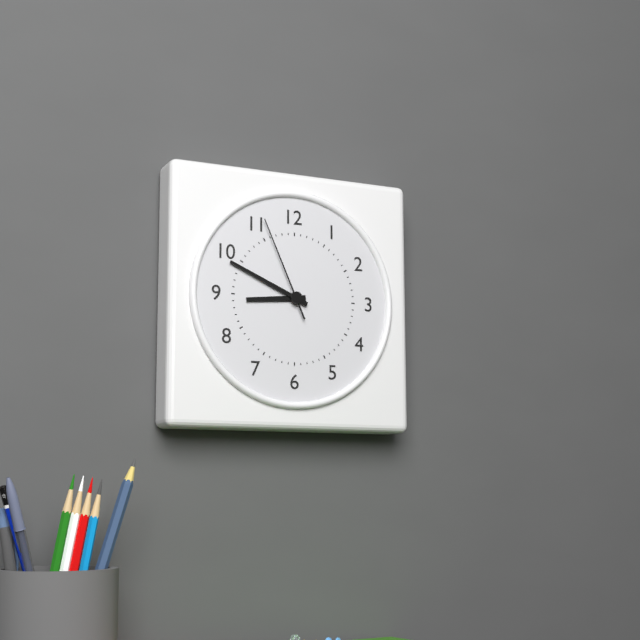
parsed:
8 h 49 min 56 s
